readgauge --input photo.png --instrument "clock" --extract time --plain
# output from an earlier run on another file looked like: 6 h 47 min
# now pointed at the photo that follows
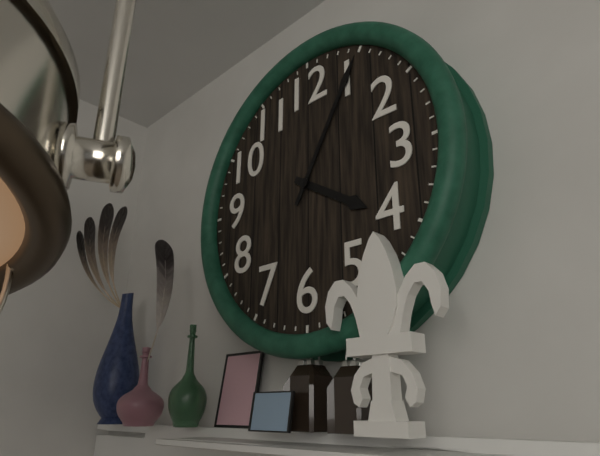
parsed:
4 h 05 min
